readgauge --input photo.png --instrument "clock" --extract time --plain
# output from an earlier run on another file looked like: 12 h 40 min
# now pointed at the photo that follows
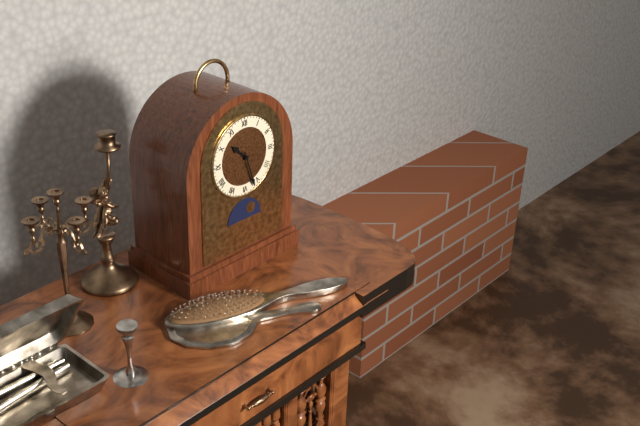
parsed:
10 h 27 min
